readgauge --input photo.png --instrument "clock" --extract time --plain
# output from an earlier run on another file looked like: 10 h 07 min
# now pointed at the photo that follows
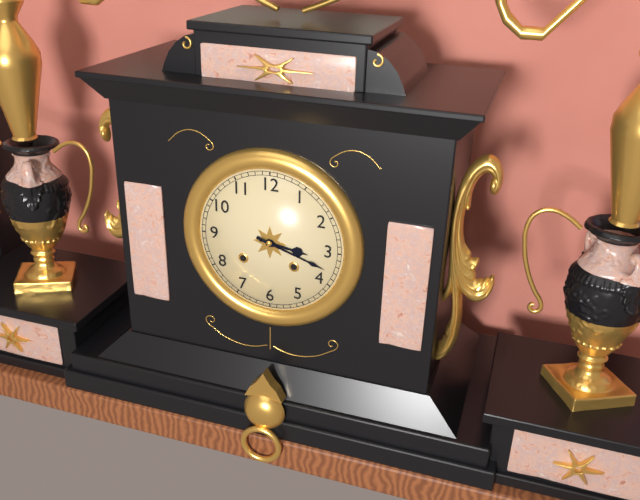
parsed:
3 h 18 min
